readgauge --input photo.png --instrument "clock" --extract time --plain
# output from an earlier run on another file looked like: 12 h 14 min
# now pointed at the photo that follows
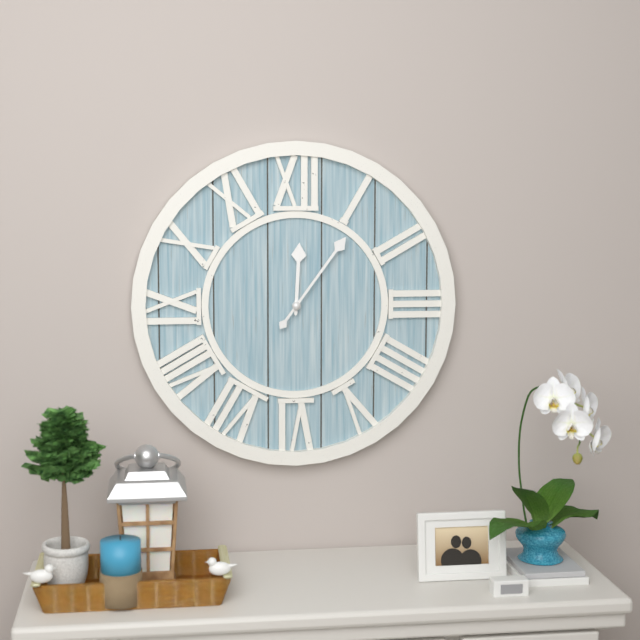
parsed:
12 h 06 min
